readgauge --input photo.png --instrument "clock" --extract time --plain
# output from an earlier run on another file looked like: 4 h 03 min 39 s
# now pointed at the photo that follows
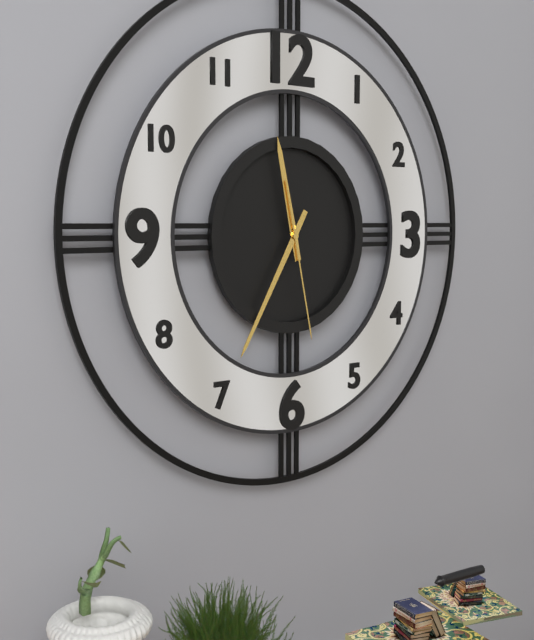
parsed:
11 h 35 min 28 s
